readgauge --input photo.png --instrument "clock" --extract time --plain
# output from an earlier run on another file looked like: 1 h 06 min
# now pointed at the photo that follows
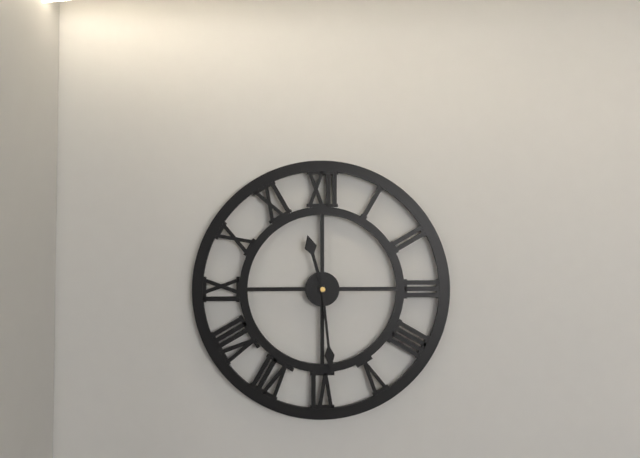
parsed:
11 h 29 min
